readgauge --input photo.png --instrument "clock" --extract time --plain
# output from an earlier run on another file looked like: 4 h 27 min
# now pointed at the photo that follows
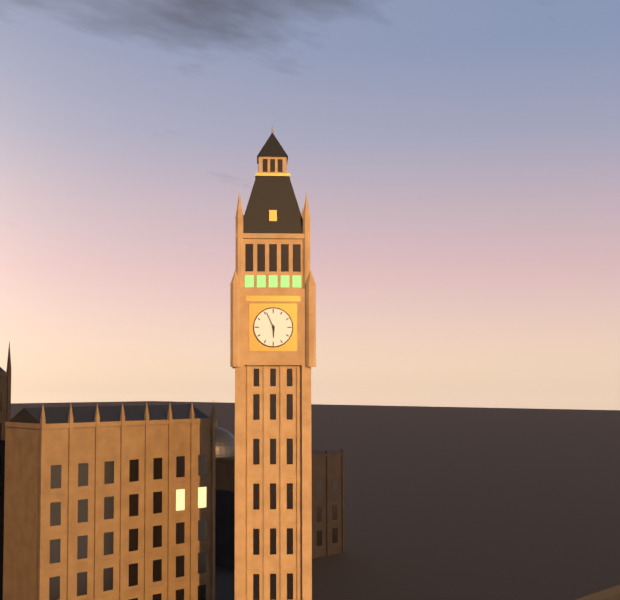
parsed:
5 h 56 min
